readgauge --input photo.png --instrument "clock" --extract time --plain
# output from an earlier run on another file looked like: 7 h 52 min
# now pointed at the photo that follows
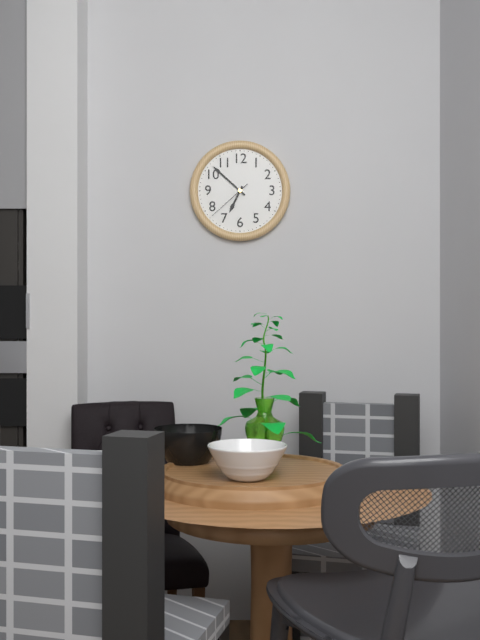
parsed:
6 h 52 min
